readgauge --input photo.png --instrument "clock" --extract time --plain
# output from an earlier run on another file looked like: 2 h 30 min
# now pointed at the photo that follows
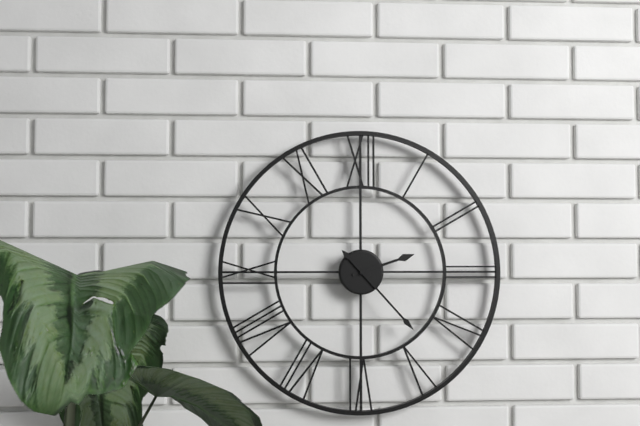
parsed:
2 h 23 min
